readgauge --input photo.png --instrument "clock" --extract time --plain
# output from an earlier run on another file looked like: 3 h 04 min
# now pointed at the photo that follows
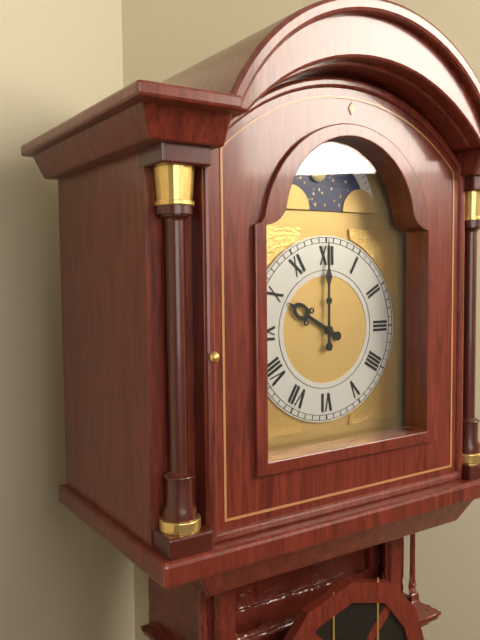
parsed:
10 h 00 min
